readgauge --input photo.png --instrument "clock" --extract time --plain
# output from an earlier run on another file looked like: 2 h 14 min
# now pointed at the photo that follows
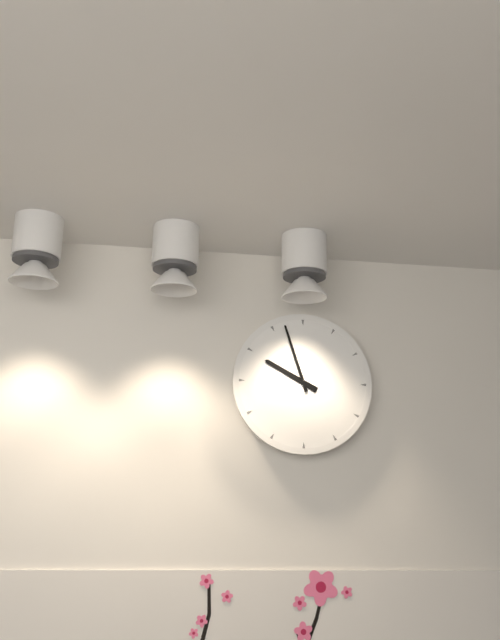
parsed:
9 h 57 min
